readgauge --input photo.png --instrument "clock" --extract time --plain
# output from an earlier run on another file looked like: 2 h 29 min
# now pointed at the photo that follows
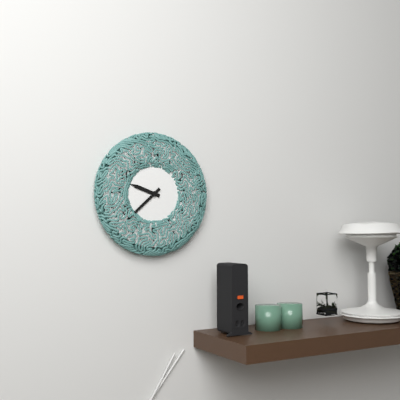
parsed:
9 h 38 min
